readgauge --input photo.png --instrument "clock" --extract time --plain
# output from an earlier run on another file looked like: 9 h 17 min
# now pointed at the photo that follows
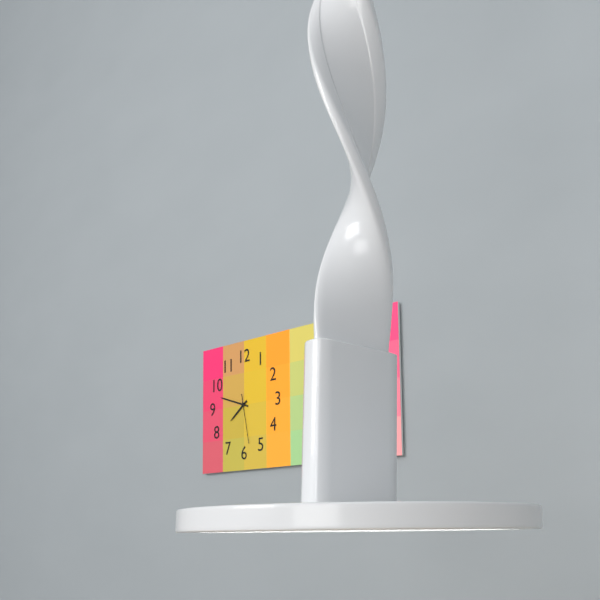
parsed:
7 h 48 min
